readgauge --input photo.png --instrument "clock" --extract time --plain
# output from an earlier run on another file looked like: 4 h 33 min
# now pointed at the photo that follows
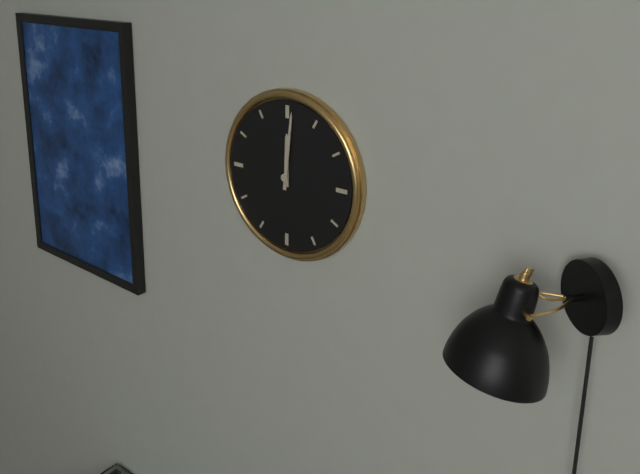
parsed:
12 h 01 min
